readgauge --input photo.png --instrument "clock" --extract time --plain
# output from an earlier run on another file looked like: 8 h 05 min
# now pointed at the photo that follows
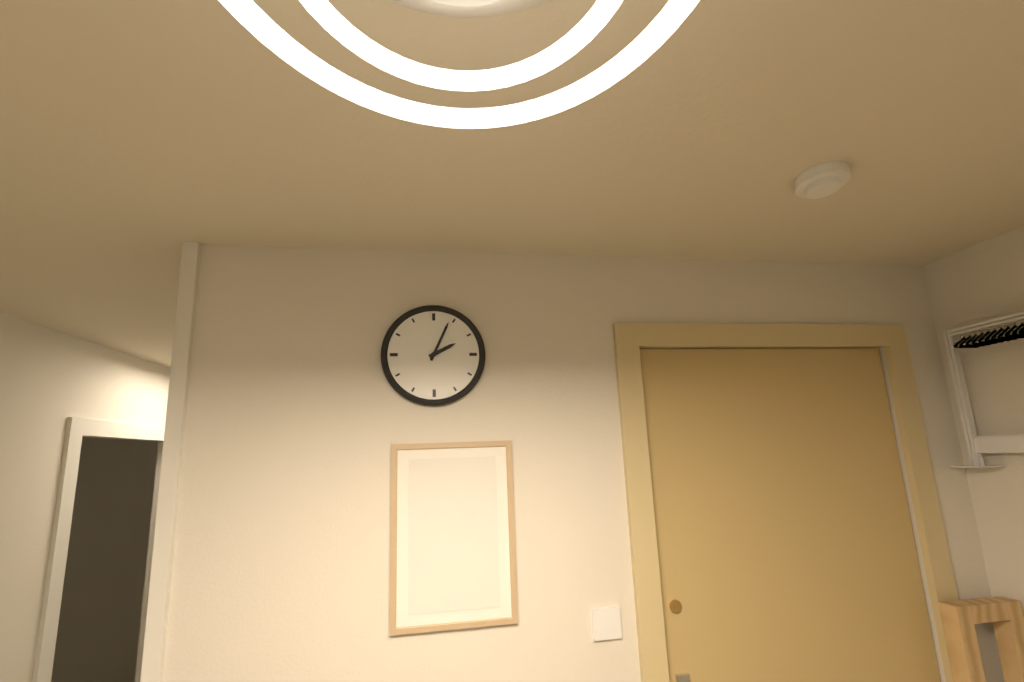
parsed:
2 h 04 min
